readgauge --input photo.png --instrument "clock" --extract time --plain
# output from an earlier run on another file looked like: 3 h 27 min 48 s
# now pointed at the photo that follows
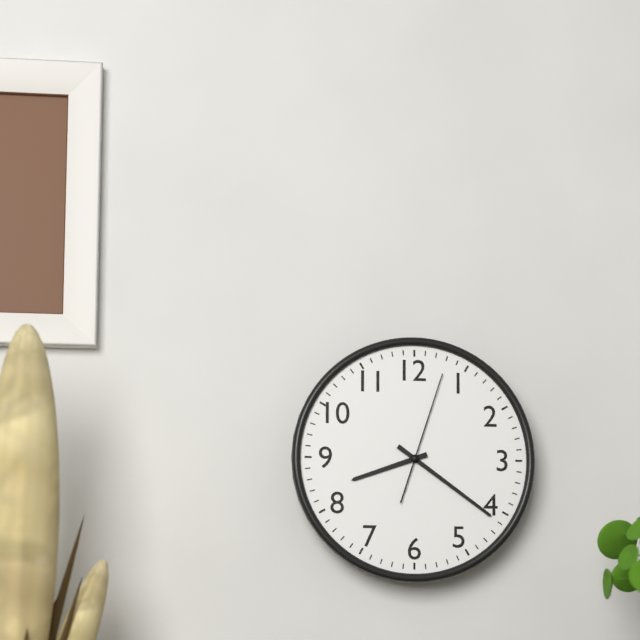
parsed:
8 h 21 min 03 s
